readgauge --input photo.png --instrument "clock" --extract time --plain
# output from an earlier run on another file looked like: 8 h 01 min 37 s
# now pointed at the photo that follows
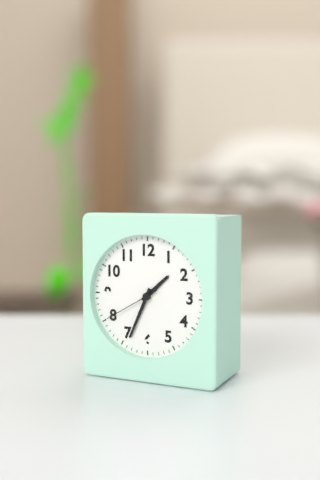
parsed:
1 h 34 min 40 s
